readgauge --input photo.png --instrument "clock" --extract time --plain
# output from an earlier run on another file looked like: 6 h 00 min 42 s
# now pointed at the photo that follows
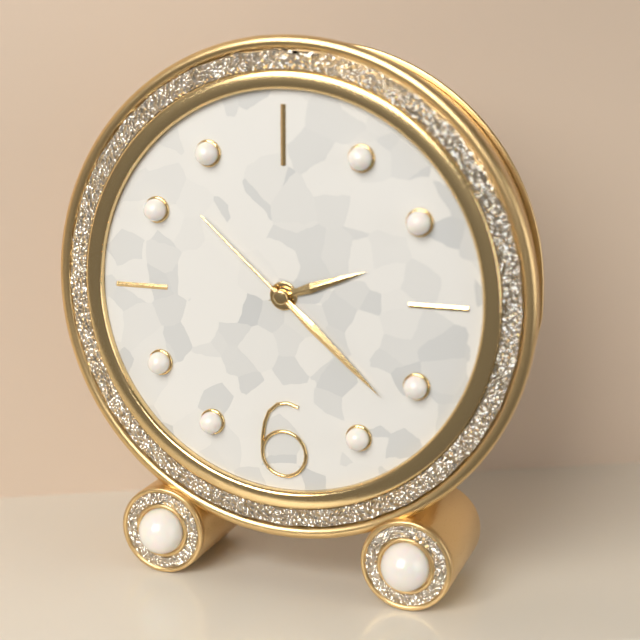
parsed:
2 h 22 min 52 s
